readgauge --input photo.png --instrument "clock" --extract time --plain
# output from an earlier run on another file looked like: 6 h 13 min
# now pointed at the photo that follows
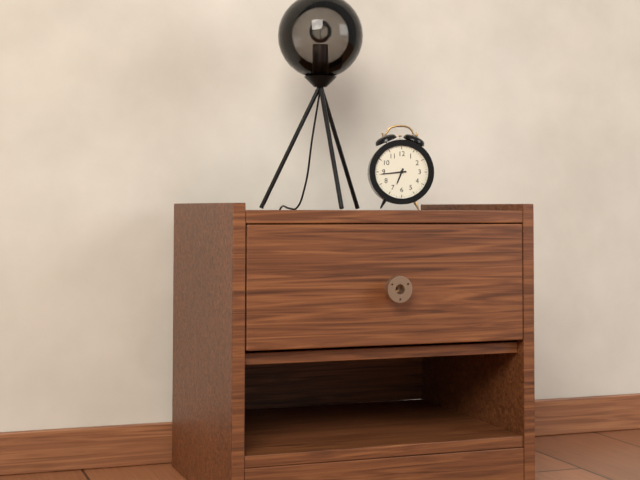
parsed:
6 h 44 min
